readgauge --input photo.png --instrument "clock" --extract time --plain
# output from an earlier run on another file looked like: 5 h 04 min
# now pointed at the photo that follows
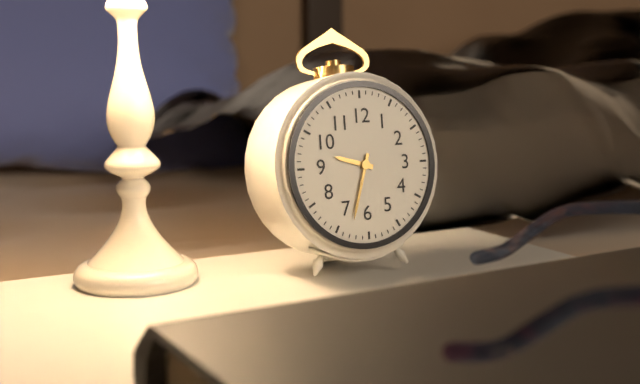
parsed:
9 h 33 min
